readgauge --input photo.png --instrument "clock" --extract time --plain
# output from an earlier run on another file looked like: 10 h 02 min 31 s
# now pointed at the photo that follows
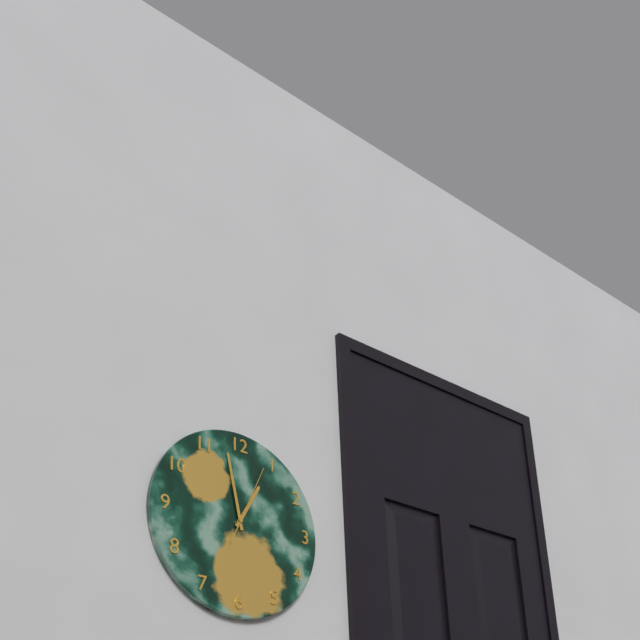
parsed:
12 h 58 min 04 s
